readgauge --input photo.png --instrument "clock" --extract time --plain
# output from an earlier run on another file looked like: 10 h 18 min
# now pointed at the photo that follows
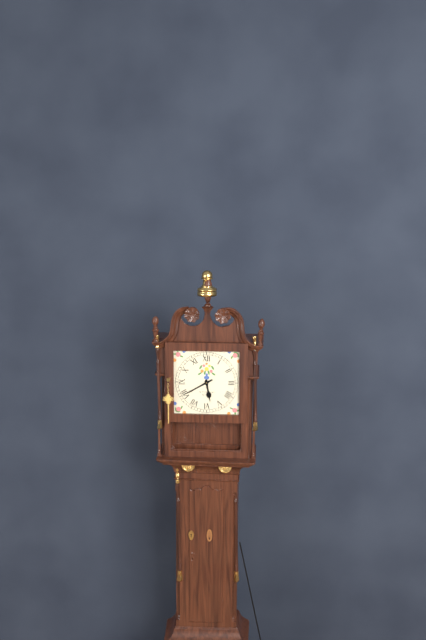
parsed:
5 h 40 min
